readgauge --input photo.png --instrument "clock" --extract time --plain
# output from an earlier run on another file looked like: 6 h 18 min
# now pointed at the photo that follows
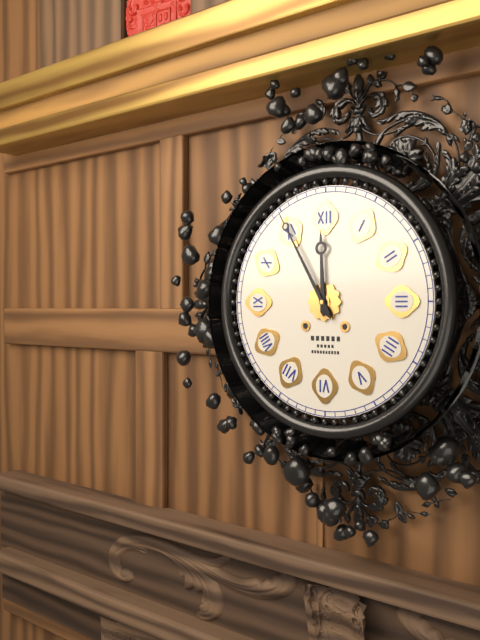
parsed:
11 h 55 min
